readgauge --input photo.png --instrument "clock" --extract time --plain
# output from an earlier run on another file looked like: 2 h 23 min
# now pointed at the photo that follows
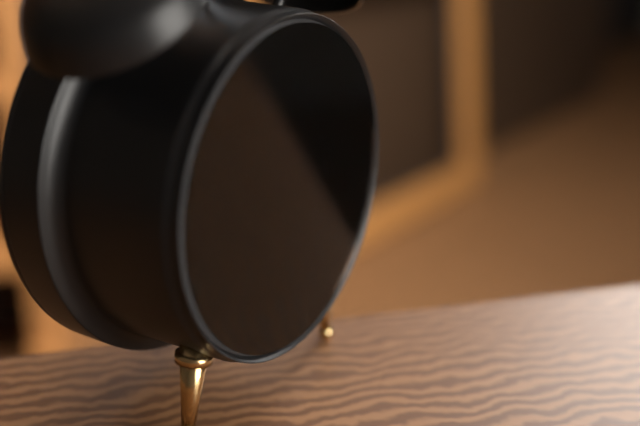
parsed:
9 h 02 min
